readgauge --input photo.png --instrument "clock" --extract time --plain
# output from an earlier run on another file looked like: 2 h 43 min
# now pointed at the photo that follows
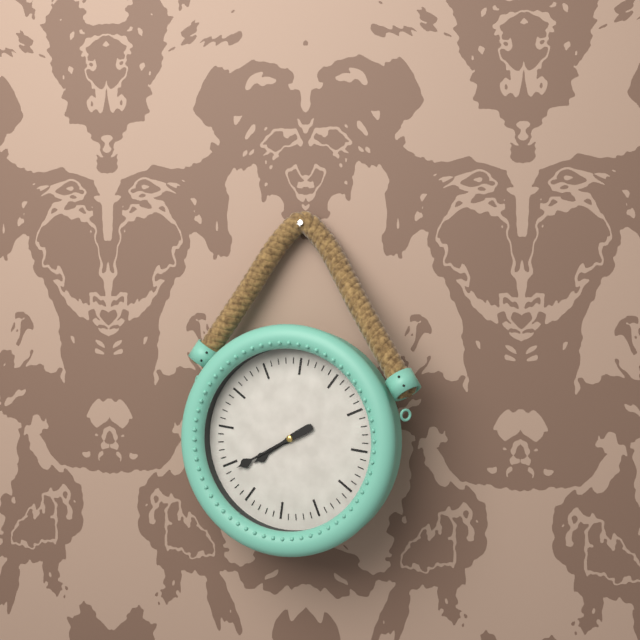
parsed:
7 h 39 min
